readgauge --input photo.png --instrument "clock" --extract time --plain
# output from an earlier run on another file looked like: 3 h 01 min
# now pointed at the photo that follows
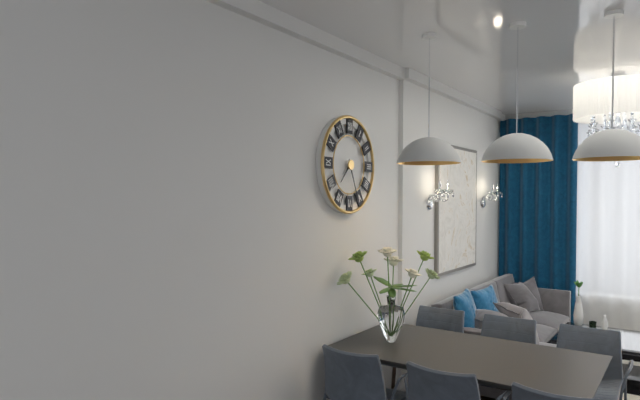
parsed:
7 h 26 min
